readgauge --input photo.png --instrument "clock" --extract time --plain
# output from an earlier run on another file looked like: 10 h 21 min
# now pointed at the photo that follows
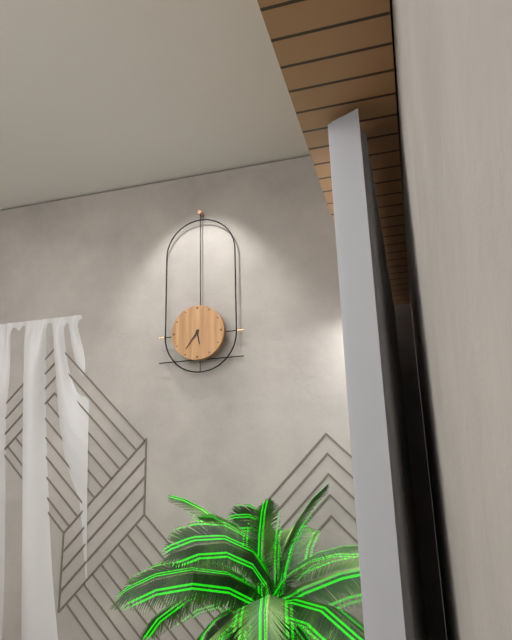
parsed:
5 h 36 min
